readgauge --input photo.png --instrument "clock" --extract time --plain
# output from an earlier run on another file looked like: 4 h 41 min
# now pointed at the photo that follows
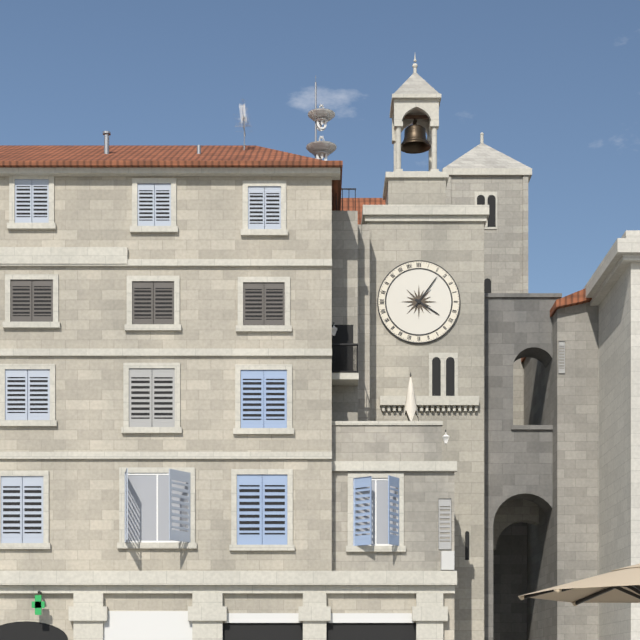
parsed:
4 h 06 min
